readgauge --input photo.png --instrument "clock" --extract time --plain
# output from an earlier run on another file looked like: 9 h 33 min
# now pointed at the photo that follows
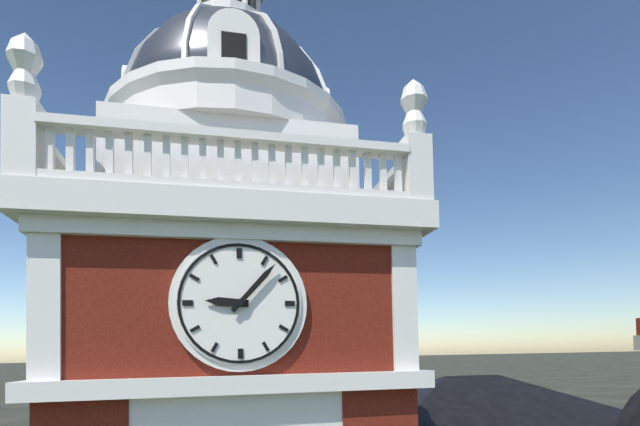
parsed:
9 h 07 min
